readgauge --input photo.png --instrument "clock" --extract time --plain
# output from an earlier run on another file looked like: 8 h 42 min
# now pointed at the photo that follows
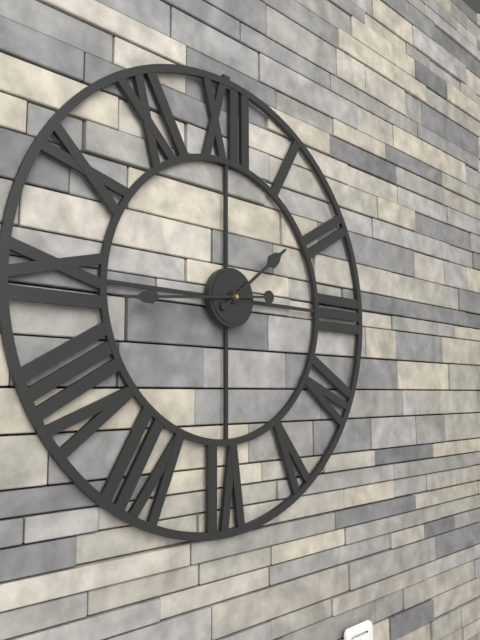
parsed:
1 h 44 min
